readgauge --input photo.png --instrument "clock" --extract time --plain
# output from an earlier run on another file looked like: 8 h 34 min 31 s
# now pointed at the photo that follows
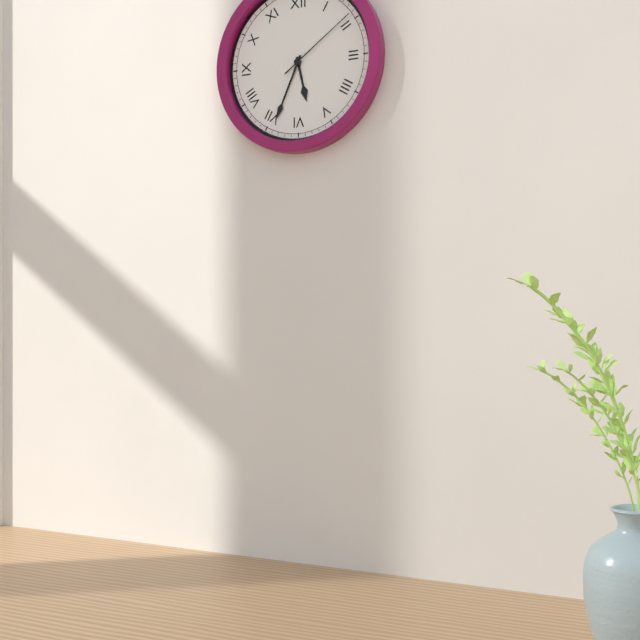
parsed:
5 h 34 min 09 s
